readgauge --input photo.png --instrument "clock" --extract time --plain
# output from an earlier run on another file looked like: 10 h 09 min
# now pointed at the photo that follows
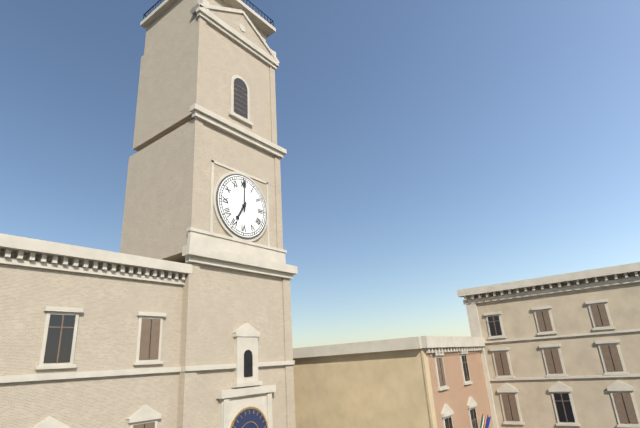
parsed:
7 h 00 min
